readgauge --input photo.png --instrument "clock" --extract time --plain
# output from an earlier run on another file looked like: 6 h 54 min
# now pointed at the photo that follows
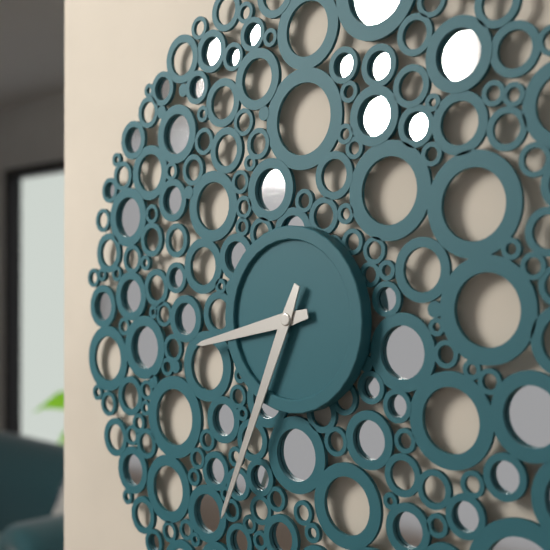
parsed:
8 h 34 min
